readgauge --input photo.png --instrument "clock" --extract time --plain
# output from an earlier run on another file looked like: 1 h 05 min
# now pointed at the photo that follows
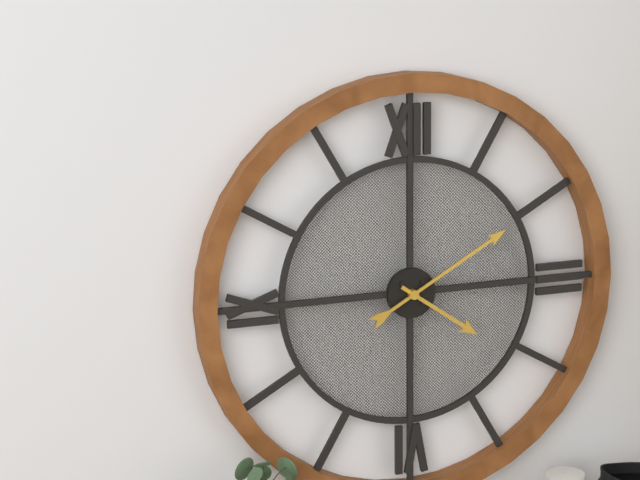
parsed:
4 h 10 min
